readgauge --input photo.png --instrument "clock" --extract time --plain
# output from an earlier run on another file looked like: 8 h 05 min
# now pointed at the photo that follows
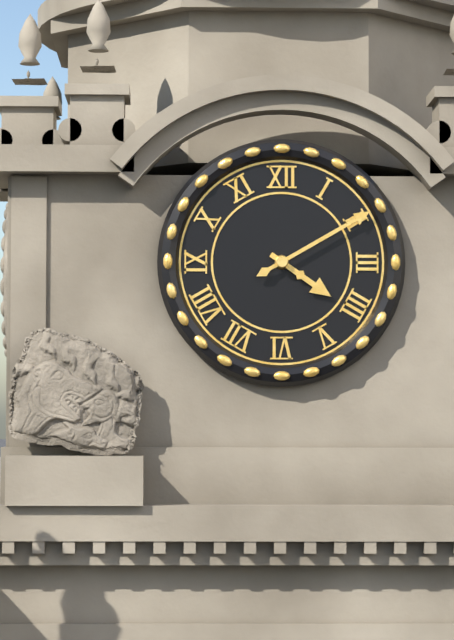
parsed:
4 h 10 min
